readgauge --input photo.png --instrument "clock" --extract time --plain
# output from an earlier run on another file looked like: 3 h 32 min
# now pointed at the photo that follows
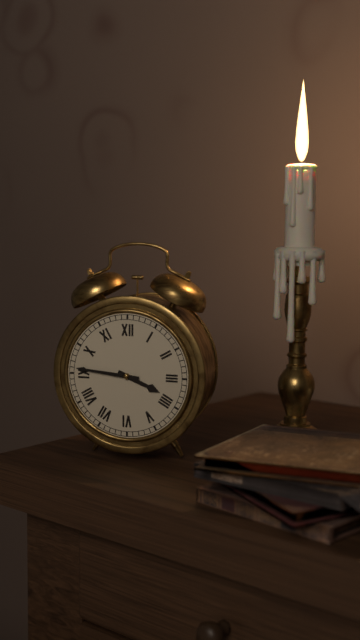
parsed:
3 h 46 min
